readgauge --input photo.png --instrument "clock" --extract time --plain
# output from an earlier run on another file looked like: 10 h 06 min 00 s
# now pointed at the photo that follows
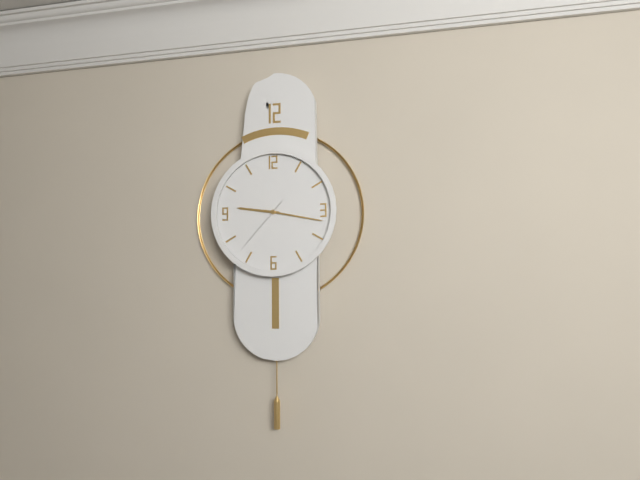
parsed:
9 h 17 min 37 s
